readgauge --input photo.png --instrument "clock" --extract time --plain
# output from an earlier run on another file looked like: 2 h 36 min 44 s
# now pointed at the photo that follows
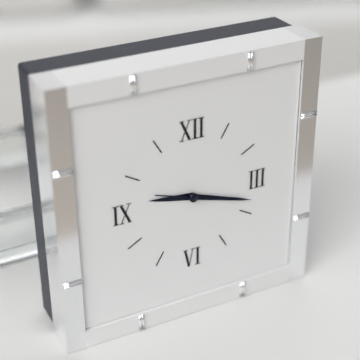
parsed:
9 h 18 min 18 s
